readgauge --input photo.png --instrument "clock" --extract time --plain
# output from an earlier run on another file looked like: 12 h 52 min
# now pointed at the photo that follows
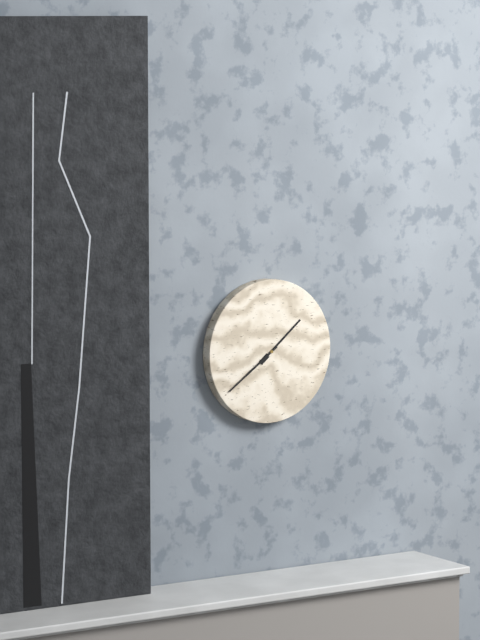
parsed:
1 h 39 min
